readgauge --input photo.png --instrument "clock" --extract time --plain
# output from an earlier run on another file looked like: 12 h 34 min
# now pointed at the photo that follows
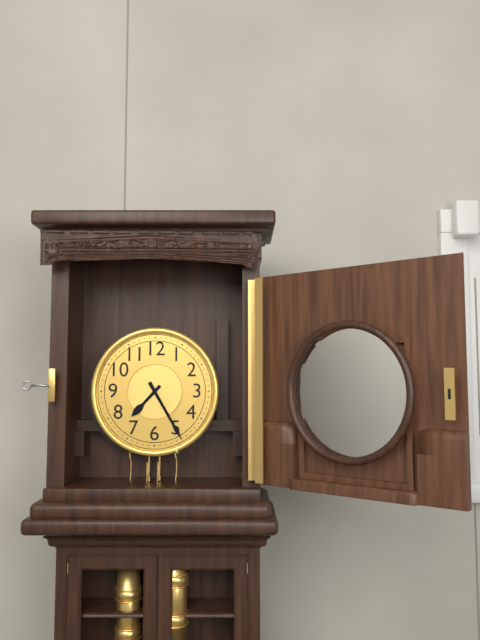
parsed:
7 h 25 min
